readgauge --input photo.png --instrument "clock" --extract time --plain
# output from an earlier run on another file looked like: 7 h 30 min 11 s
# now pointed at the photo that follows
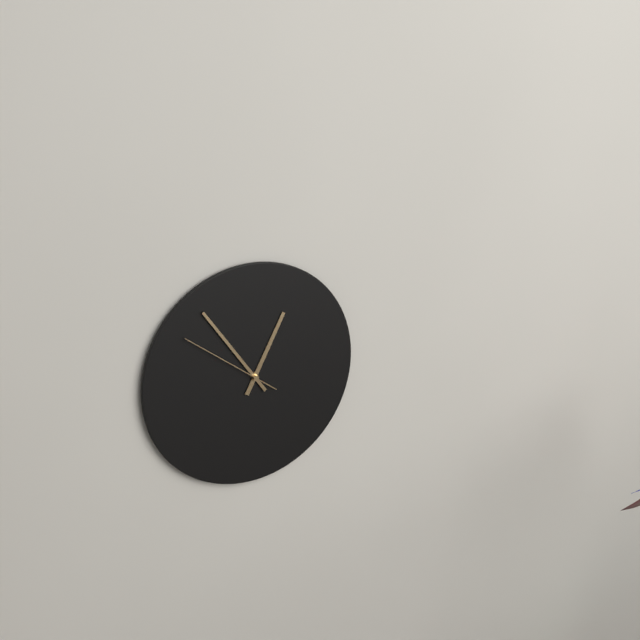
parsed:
12 h 54 min 51 s
